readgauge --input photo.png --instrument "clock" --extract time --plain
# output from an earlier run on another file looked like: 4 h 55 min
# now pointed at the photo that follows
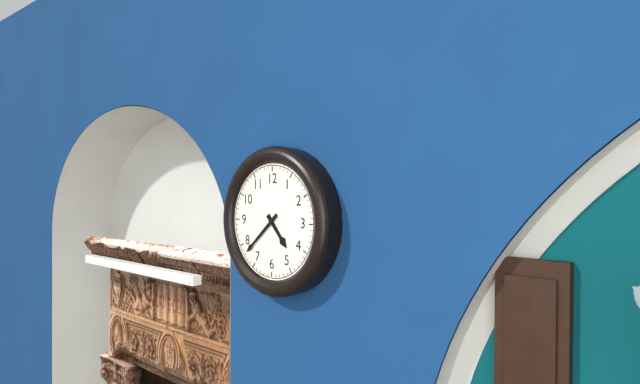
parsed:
4 h 38 min
